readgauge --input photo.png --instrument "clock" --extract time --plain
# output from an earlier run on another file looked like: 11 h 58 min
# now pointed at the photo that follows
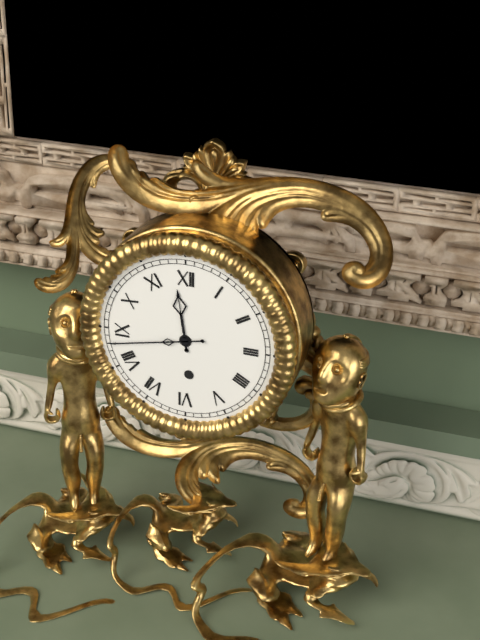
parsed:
11 h 43 min
